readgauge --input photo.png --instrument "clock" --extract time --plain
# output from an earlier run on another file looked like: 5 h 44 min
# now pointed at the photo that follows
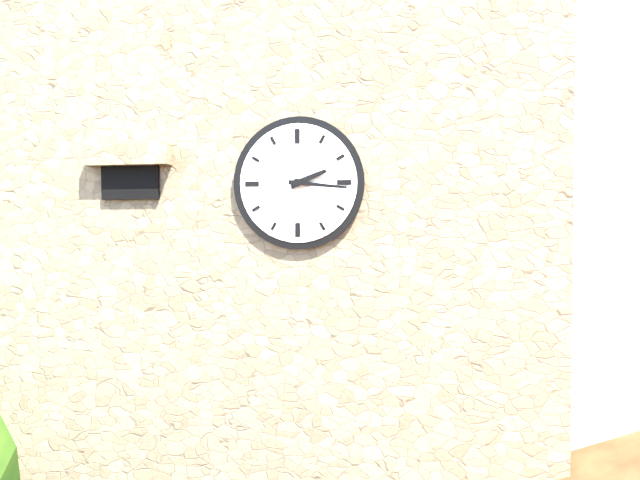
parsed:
2 h 16 min
